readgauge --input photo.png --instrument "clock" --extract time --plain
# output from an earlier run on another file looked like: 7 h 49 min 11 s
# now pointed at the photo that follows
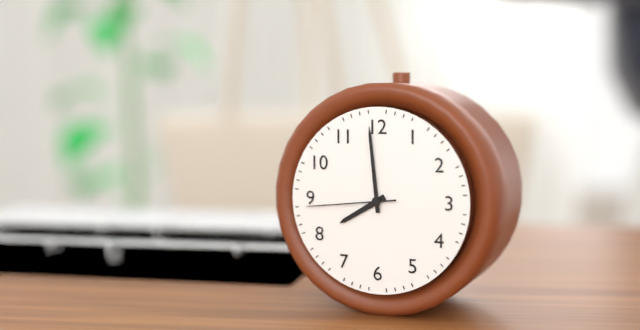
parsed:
7 h 59 min 44 s
